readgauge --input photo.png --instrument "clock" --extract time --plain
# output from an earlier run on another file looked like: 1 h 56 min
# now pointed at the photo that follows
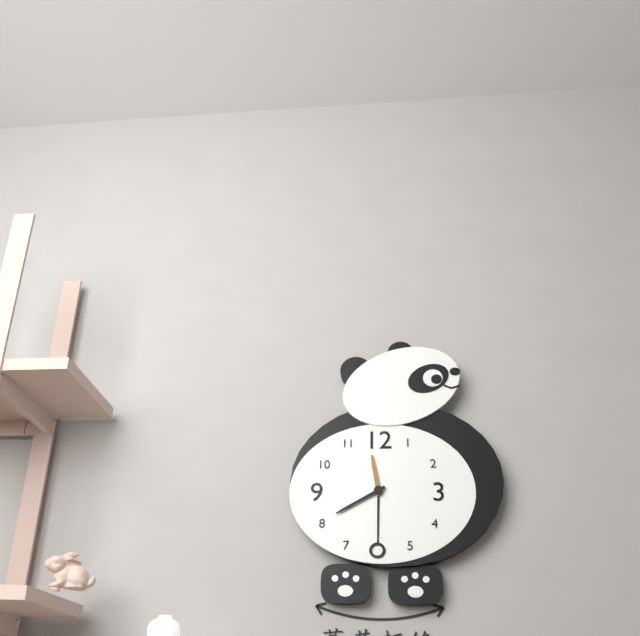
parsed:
11 h 40 min
